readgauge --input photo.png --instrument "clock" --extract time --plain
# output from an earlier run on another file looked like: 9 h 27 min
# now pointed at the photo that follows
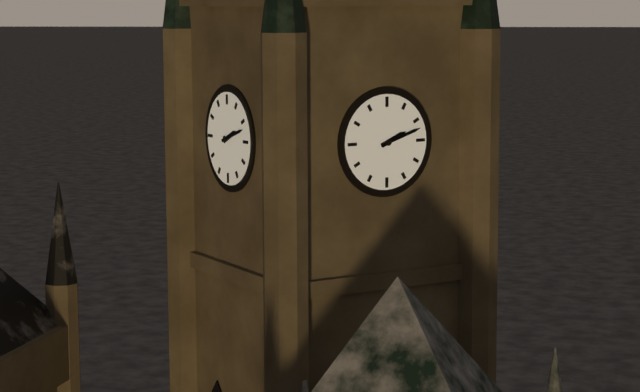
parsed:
2 h 12 min
